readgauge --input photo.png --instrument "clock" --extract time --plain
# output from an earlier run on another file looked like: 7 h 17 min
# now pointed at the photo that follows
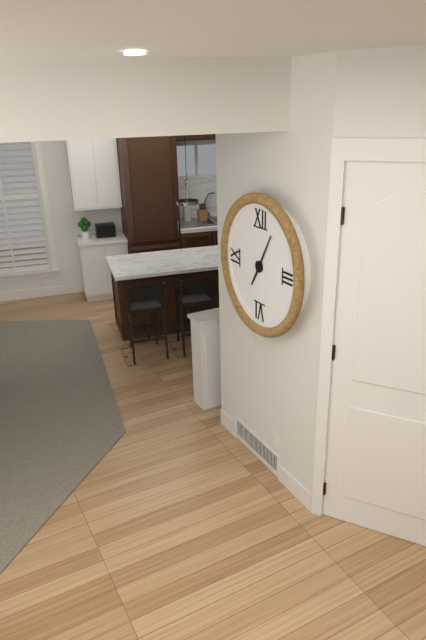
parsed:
7 h 05 min
